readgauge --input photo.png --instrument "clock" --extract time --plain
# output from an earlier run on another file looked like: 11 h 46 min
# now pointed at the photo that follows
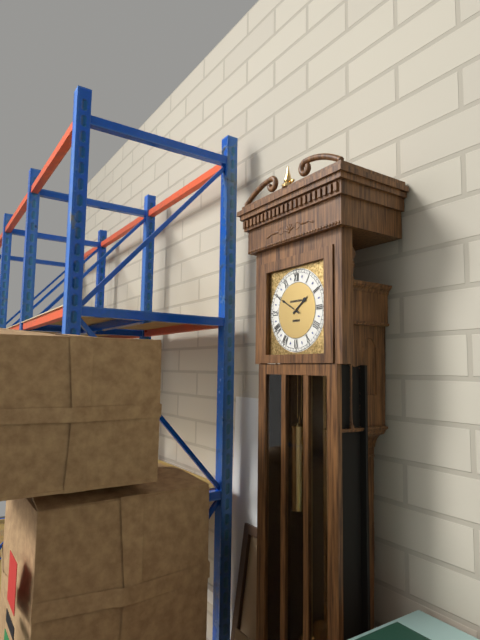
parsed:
1 h 50 min
